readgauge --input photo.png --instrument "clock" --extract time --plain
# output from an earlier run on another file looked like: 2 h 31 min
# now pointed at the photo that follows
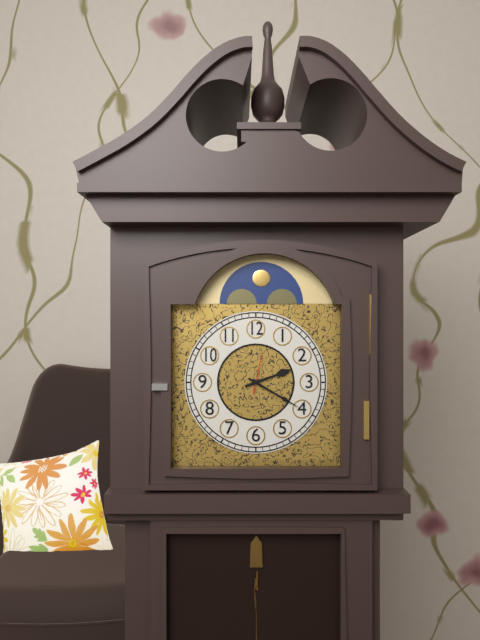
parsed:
2 h 20 min
